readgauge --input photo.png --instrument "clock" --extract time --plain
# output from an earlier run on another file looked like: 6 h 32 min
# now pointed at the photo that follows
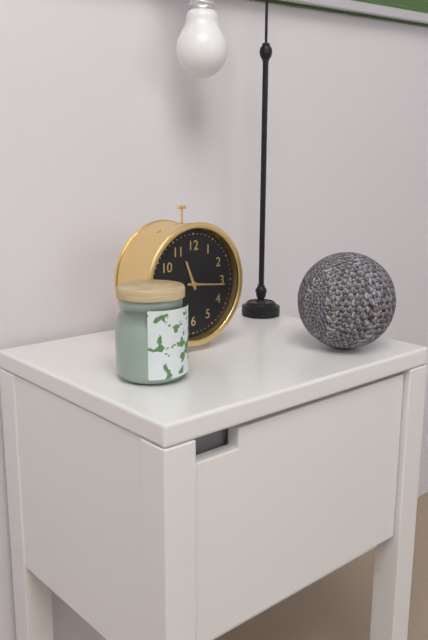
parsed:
11 h 16 min
